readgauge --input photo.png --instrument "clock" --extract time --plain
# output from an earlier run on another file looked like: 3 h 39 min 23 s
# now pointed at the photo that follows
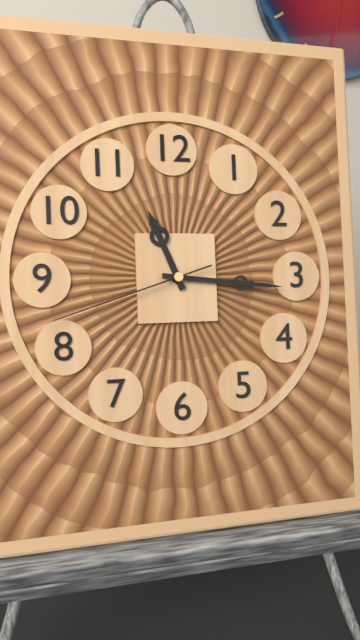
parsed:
11 h 16 min 42 s
